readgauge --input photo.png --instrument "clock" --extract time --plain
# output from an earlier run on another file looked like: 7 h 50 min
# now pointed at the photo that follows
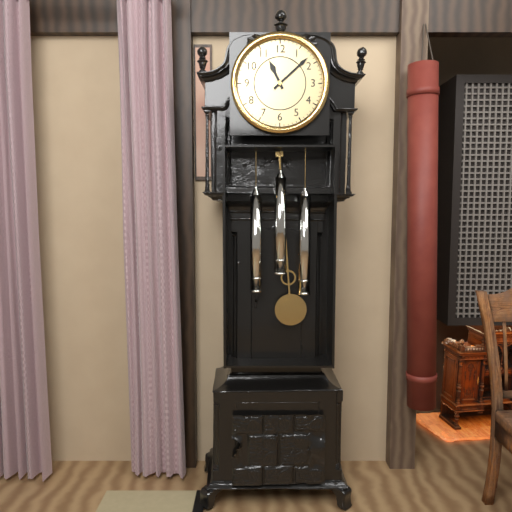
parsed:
11 h 08 min
